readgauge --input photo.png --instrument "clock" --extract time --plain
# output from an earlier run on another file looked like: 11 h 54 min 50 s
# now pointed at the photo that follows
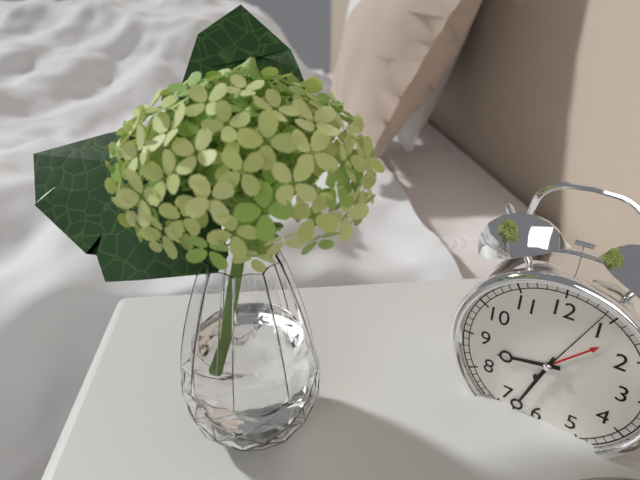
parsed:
8 h 33 min 04 s
